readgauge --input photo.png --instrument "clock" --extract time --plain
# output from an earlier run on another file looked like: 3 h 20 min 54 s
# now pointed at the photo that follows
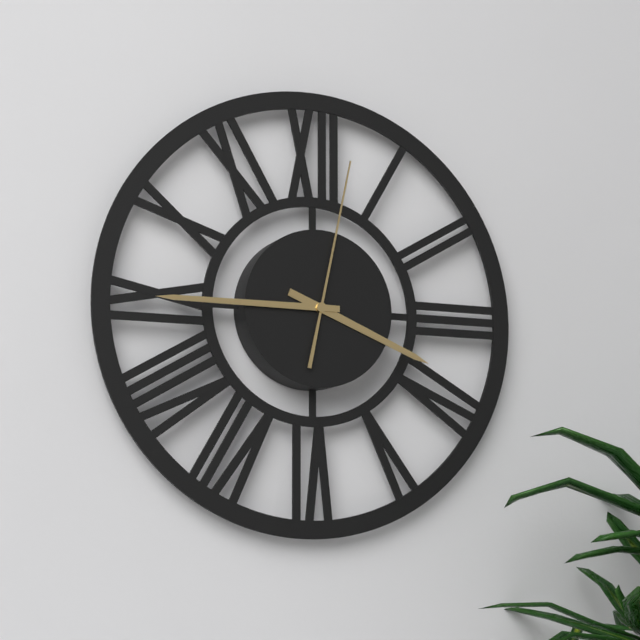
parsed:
3 h 45 min 02 s
